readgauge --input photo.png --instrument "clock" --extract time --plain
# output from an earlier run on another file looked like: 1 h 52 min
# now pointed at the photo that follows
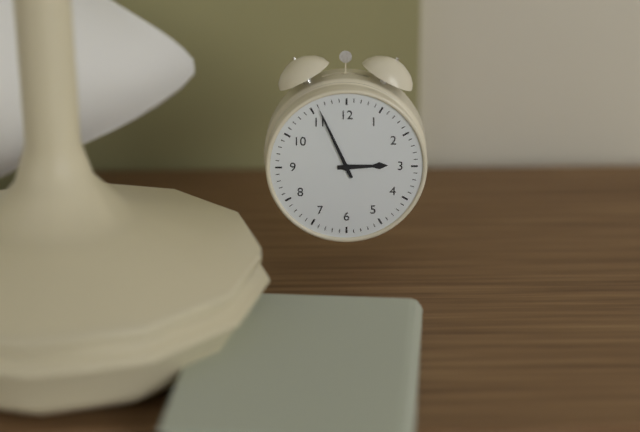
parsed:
2 h 56 min
